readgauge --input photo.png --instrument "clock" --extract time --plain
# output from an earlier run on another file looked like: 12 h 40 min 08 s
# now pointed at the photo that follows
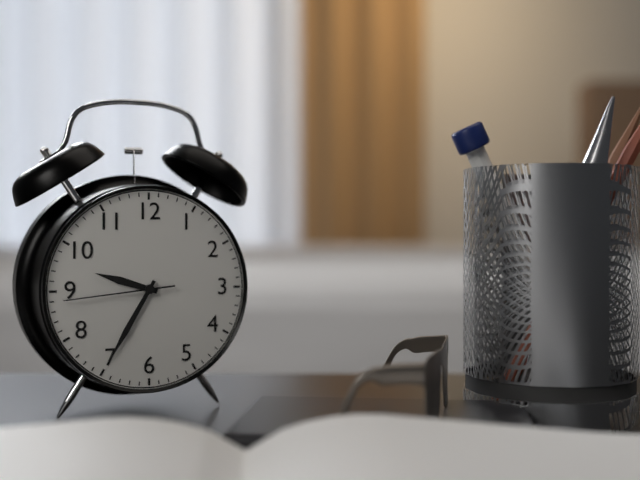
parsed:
9 h 35 min 44 s
